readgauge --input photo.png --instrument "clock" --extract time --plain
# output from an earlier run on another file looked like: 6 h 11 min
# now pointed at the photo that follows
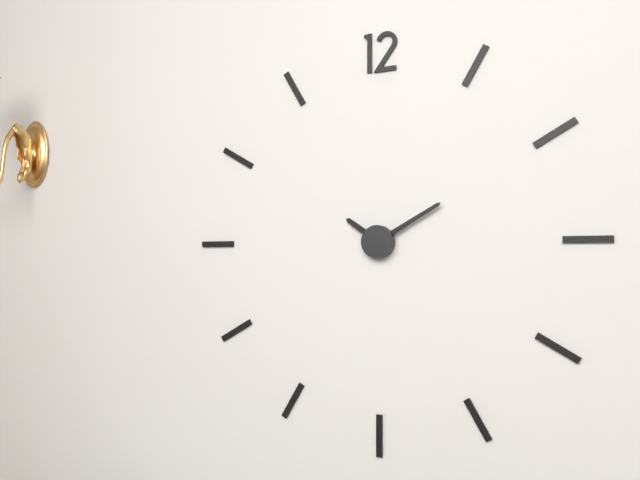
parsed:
10 h 10 min
